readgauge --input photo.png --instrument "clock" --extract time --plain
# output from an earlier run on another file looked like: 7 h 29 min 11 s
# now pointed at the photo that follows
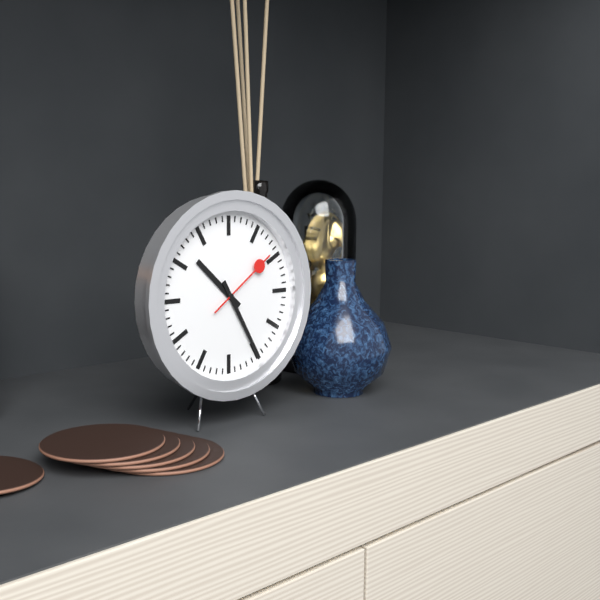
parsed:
10 h 25 min 09 s
